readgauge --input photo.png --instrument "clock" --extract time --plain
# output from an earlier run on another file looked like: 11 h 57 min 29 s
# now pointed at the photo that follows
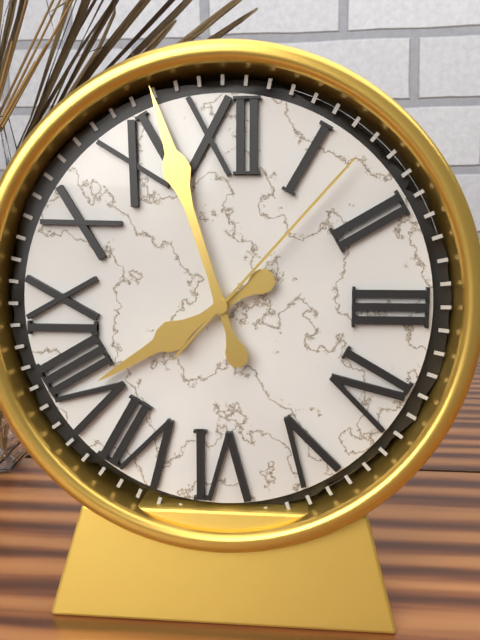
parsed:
7 h 57 min 07 s
